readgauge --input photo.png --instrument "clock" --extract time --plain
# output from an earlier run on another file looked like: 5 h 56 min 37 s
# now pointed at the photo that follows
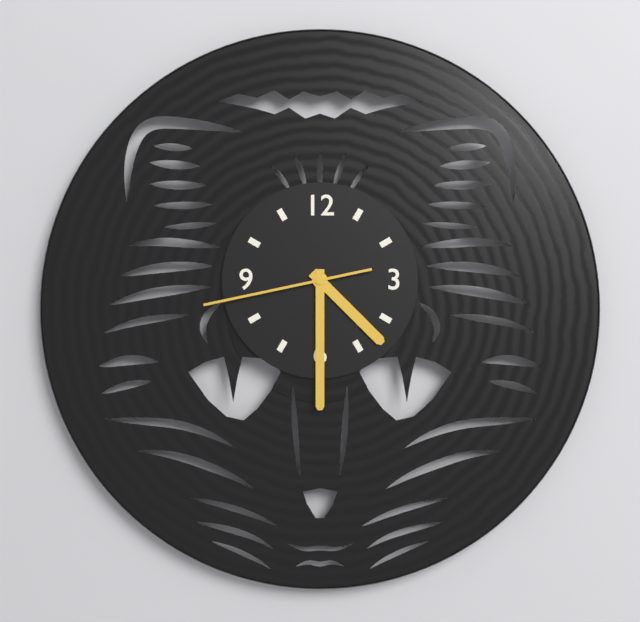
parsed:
4 h 30 min 43 s
